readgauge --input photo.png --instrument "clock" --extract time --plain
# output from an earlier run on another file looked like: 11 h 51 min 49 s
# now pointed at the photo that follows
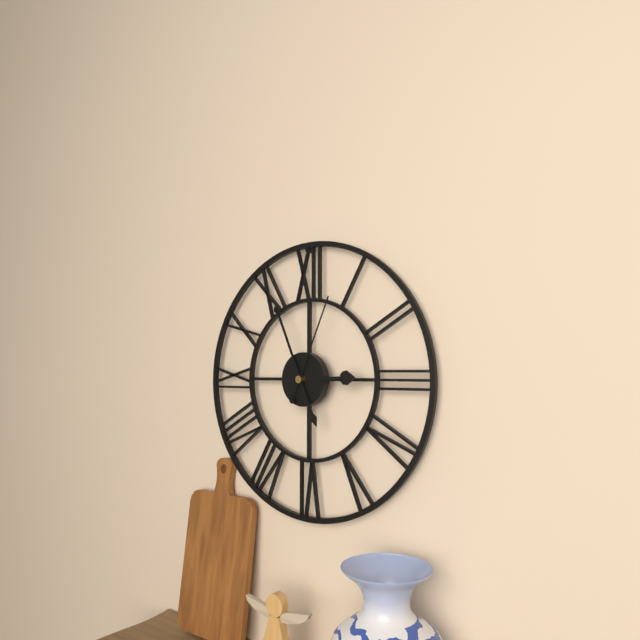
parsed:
2 h 56 min 04 s
